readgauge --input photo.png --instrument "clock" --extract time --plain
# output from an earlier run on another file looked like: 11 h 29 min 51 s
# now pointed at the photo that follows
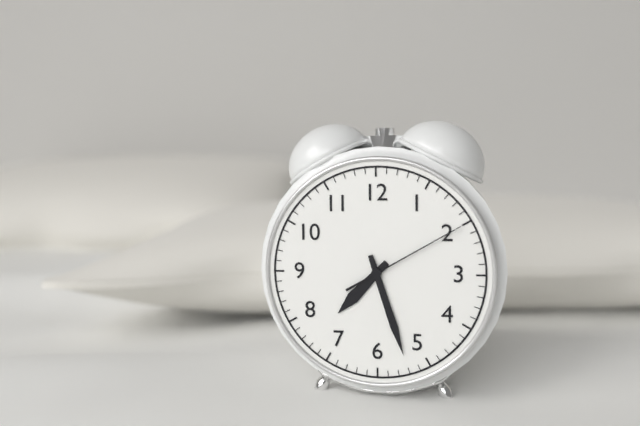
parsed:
7 h 27 min 10 s
